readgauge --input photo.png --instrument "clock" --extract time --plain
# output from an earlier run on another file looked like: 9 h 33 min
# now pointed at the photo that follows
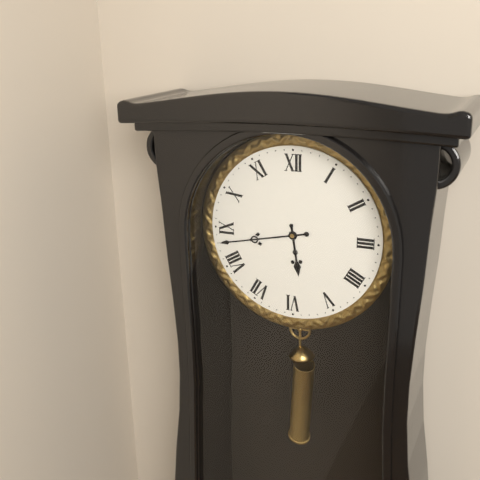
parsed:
5 h 43 min
